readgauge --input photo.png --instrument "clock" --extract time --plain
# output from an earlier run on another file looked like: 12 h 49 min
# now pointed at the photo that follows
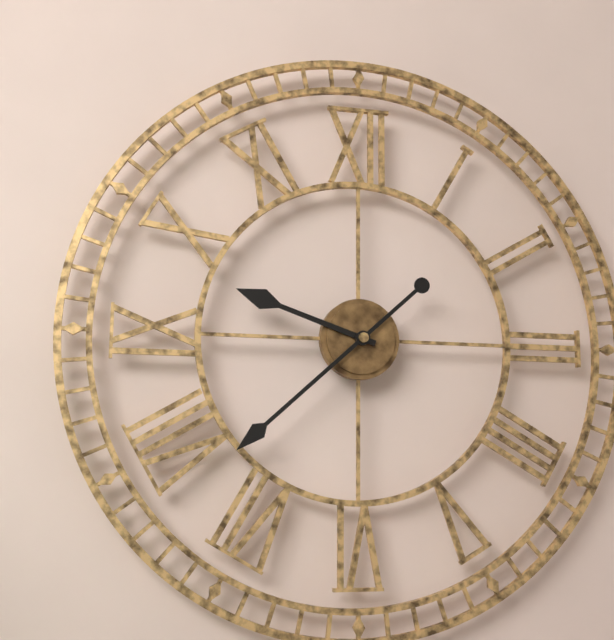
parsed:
9 h 38 min
